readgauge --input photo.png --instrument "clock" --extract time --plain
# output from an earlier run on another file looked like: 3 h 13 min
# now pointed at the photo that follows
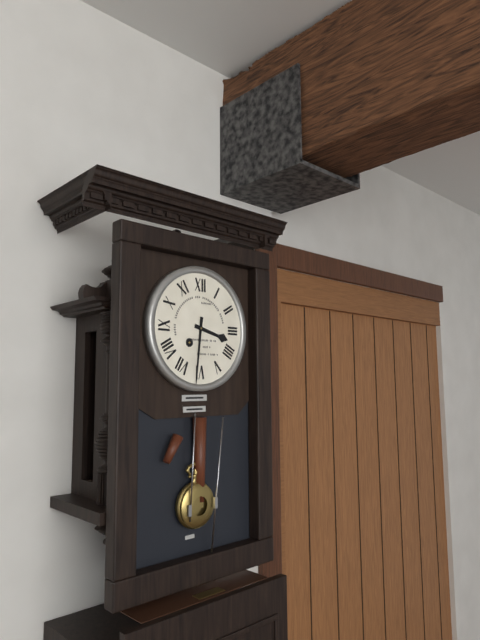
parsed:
3 h 31 min
